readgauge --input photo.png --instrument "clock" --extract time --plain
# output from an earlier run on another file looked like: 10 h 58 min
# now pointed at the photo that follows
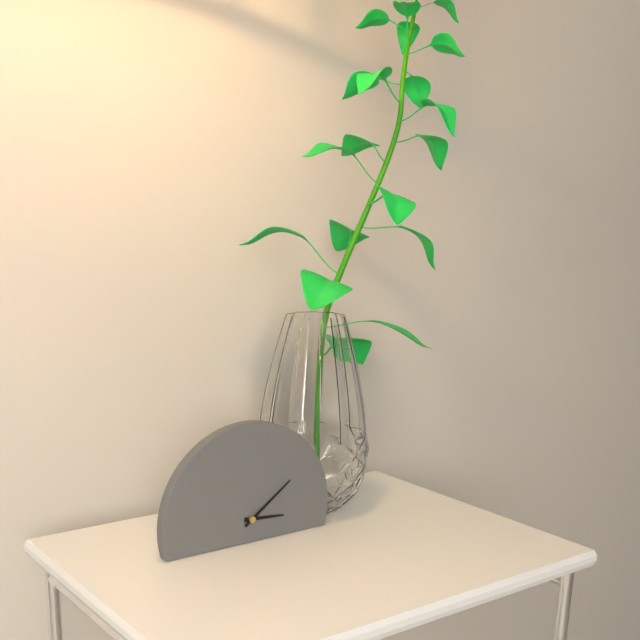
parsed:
3 h 09 min
